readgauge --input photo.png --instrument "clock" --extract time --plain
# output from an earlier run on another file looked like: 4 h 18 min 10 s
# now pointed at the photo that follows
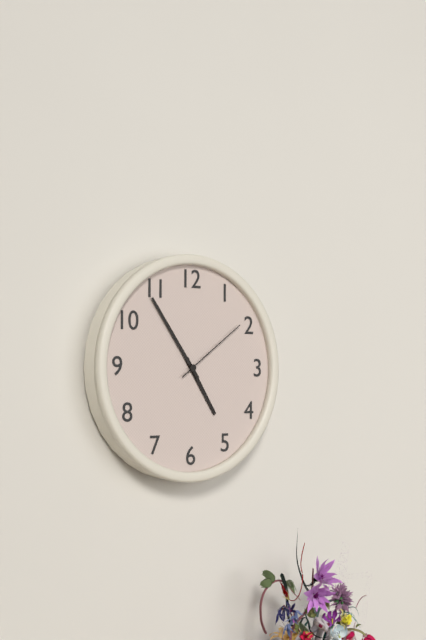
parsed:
4 h 54 min 09 s
